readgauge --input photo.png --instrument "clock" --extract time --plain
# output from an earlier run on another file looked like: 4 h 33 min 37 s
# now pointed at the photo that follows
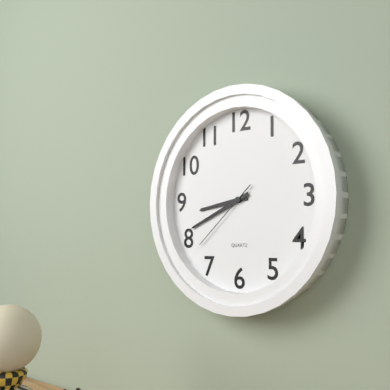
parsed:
8 h 41 min 38 s
